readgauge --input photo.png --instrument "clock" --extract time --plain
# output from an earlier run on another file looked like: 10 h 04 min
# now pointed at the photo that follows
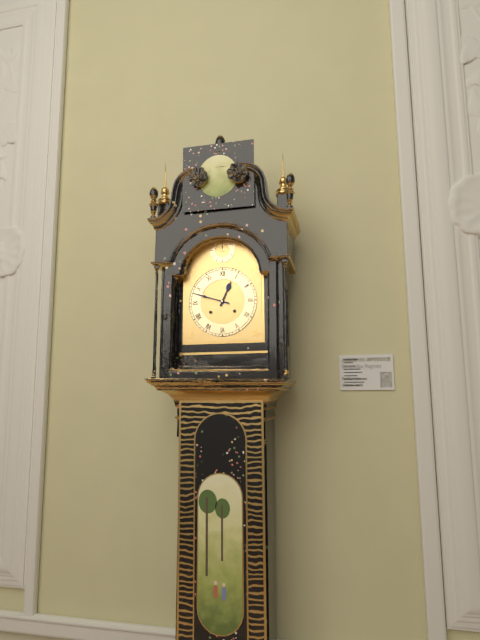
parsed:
12 h 48 min
